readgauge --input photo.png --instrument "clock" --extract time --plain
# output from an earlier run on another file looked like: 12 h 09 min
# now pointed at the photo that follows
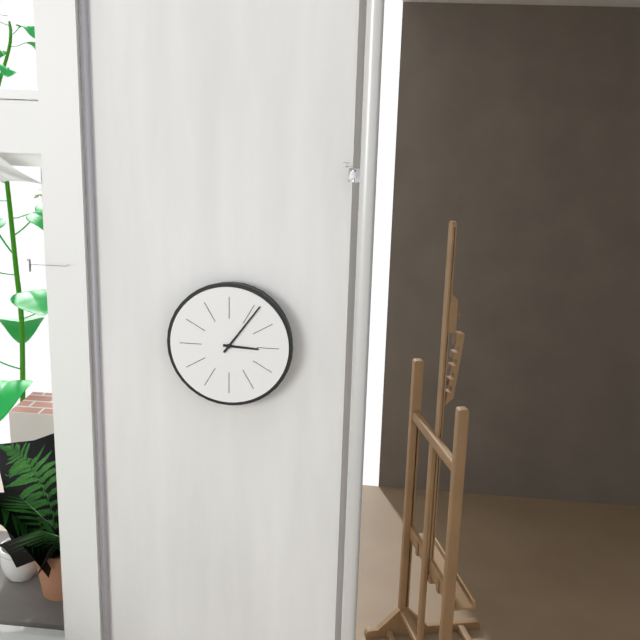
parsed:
3 h 06 min
